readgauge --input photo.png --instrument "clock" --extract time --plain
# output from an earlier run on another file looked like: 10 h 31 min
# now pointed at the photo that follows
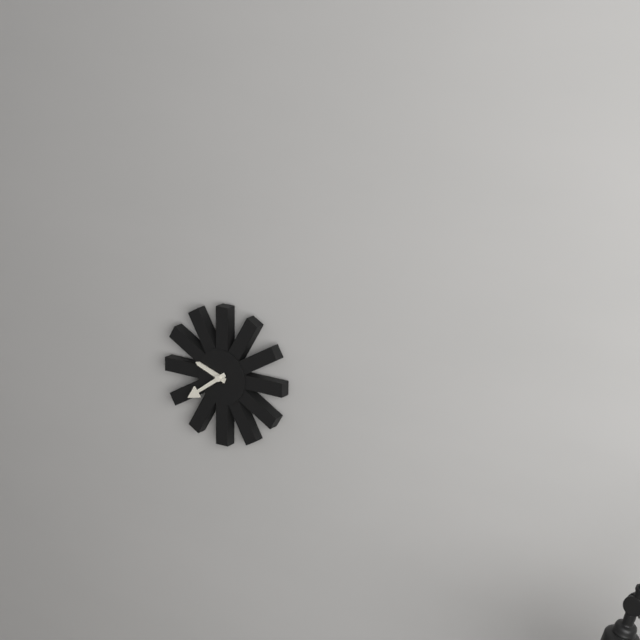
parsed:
9 h 39 min
